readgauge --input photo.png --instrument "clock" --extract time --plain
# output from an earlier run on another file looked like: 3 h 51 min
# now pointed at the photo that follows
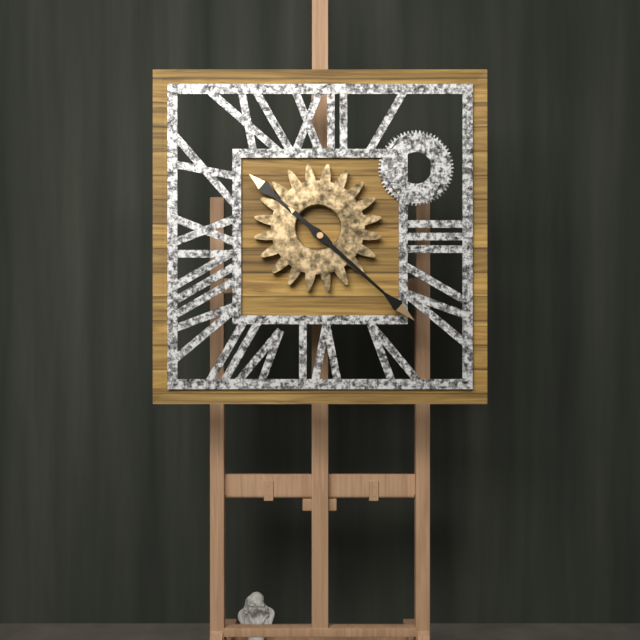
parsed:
10 h 22 min
